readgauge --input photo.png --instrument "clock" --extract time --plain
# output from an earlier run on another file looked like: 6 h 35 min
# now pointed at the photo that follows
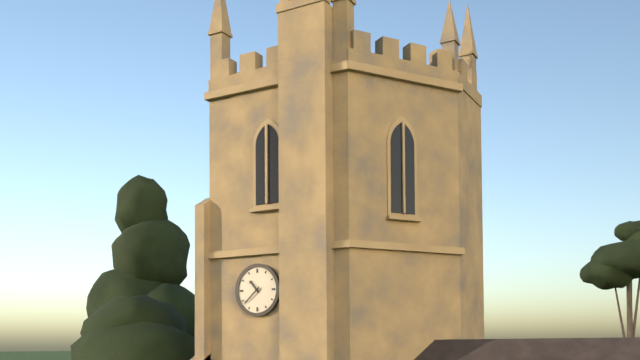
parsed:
10 h 38 min
